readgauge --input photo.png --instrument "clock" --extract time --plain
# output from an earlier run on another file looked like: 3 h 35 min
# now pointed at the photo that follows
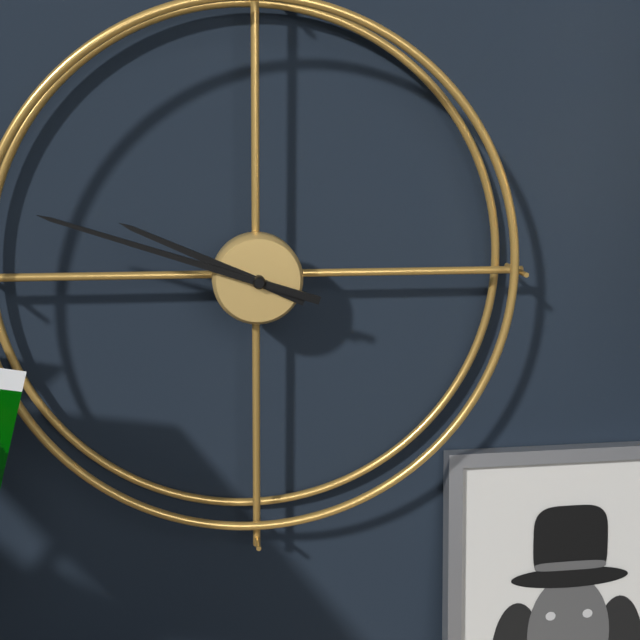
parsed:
9 h 48 min
